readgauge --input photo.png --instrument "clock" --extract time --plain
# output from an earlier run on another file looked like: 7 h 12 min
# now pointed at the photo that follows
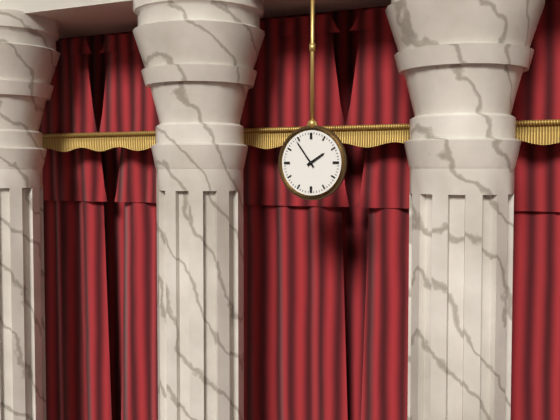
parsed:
1 h 54 min
